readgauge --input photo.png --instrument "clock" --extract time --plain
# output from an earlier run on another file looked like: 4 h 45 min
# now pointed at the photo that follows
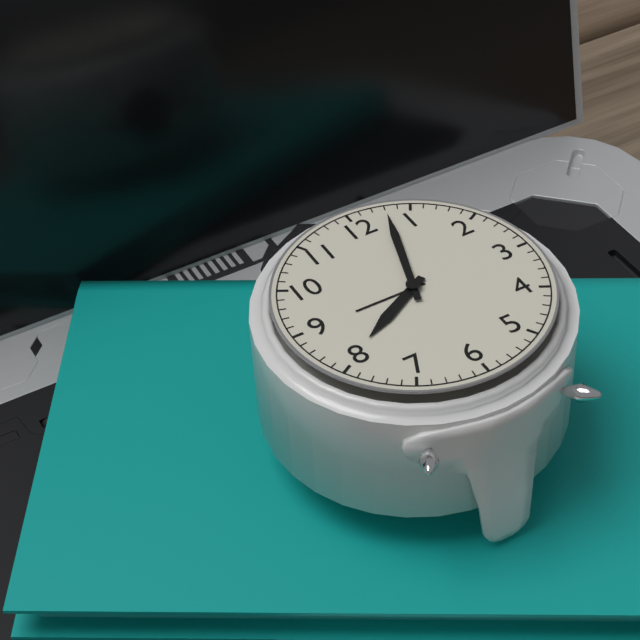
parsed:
8 h 03 min
